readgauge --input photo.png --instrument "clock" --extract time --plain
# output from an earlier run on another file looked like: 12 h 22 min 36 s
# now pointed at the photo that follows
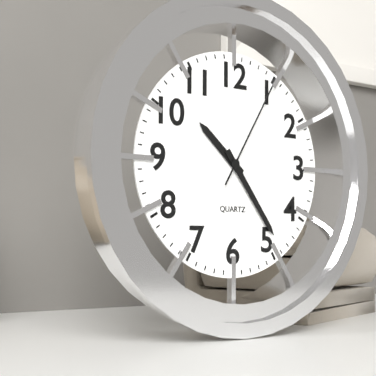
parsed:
10 h 24 min 05 s
